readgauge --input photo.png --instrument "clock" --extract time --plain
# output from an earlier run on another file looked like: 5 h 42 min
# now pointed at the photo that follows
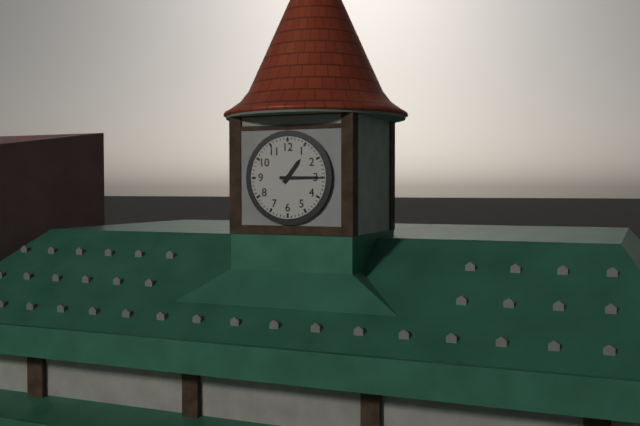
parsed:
1 h 15 min
